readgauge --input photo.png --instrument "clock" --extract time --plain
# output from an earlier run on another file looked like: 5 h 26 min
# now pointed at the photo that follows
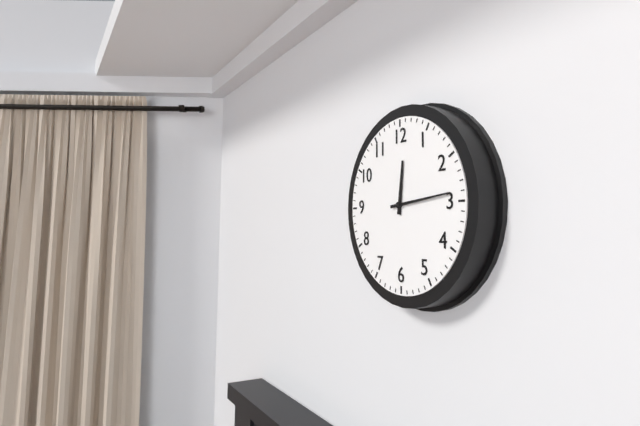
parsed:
12 h 14 min
